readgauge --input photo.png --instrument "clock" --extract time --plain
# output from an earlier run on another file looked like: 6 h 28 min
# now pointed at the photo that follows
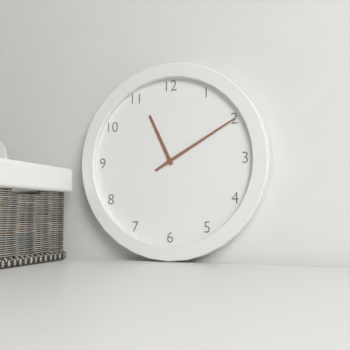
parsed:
11 h 10 min
